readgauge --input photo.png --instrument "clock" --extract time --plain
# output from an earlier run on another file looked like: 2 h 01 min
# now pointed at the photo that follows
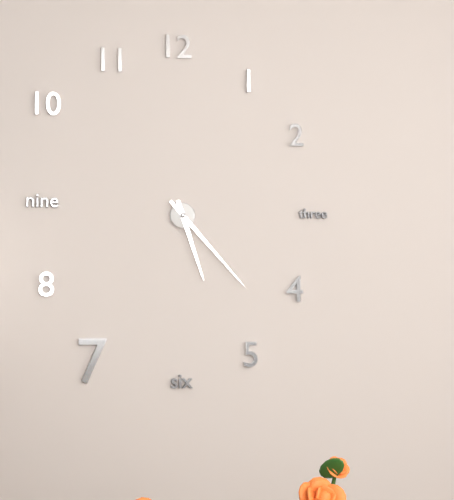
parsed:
5 h 23 min
